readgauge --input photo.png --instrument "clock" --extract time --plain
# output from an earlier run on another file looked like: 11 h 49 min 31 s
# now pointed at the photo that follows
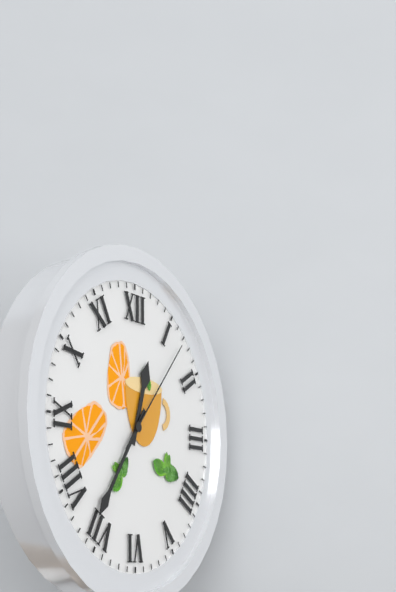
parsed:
12 h 36 min 07 s
